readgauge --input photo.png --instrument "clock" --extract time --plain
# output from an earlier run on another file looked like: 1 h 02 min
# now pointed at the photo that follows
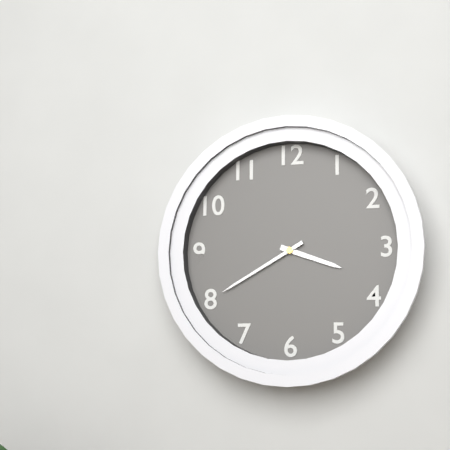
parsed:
3 h 40 min
